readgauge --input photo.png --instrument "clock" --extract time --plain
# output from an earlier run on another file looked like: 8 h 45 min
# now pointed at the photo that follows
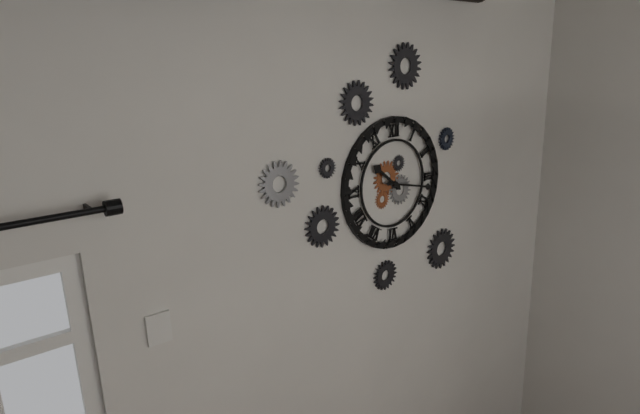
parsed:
10 h 17 min
